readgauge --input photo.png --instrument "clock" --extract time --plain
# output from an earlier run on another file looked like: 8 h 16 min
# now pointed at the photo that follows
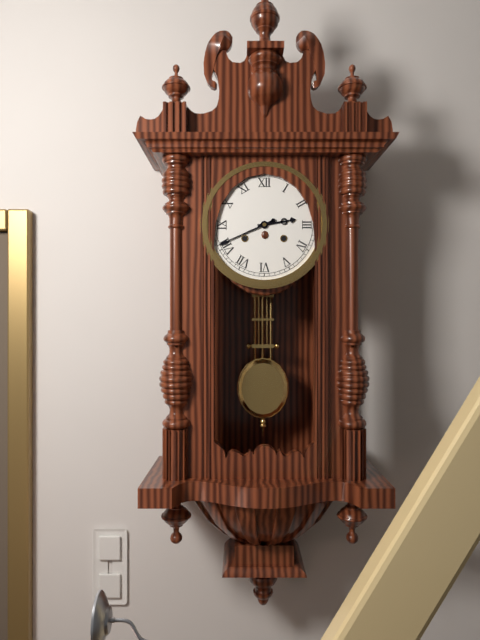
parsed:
2 h 41 min
